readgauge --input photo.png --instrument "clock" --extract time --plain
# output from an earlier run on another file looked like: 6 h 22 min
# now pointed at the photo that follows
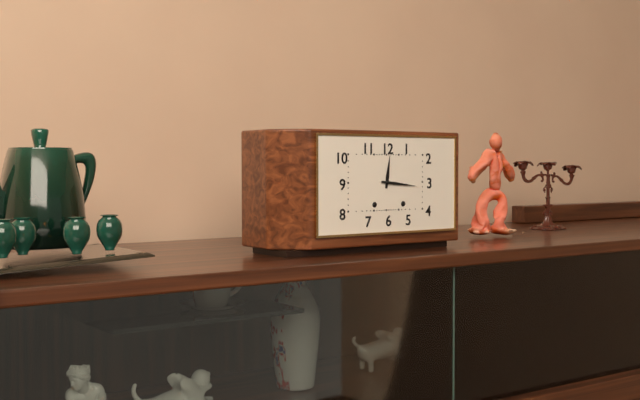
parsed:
12 h 16 min
